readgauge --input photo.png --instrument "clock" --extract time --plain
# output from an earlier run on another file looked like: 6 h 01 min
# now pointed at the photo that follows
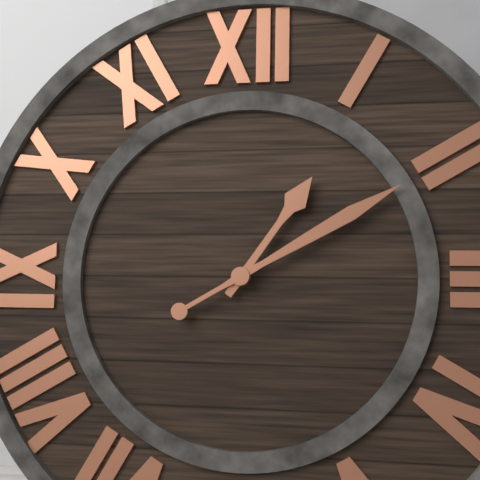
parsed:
1 h 10 min
